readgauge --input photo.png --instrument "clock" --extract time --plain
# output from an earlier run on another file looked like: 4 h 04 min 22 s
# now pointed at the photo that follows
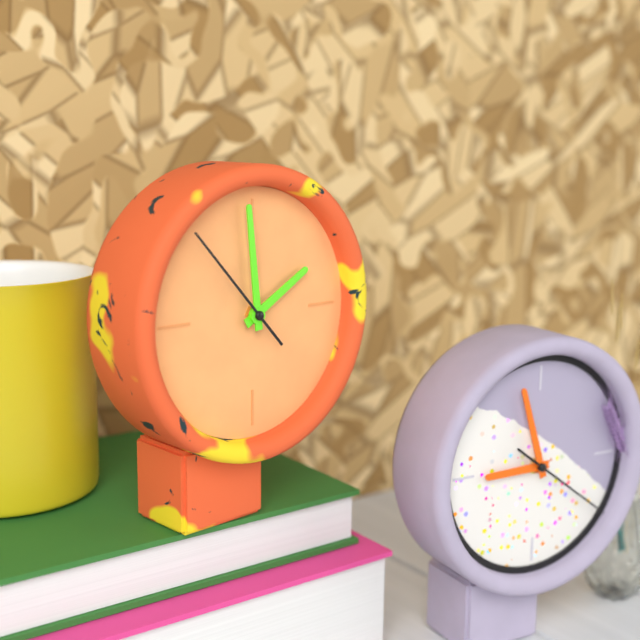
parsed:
1 h 59 min 53 s
